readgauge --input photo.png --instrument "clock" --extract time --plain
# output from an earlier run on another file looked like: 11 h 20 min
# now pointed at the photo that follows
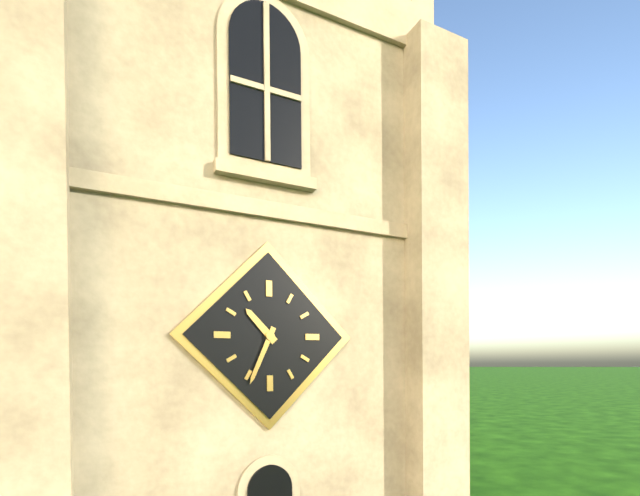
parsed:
10 h 34 min
